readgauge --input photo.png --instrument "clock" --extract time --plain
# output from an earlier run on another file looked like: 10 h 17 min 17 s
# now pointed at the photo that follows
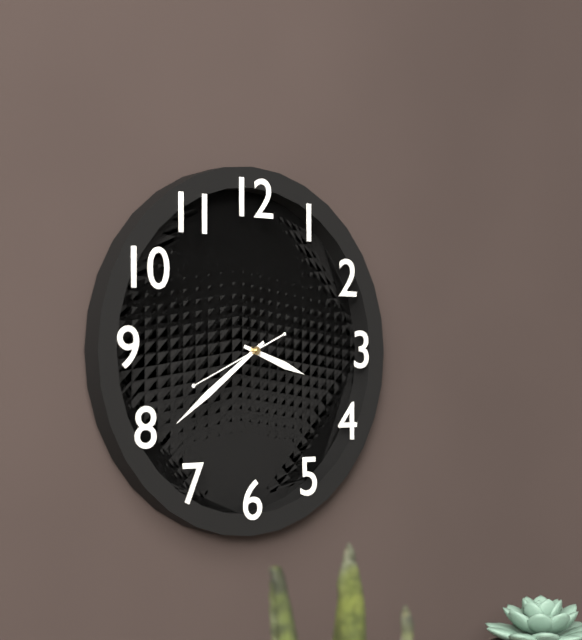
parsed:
3 h 39 min 41 s
